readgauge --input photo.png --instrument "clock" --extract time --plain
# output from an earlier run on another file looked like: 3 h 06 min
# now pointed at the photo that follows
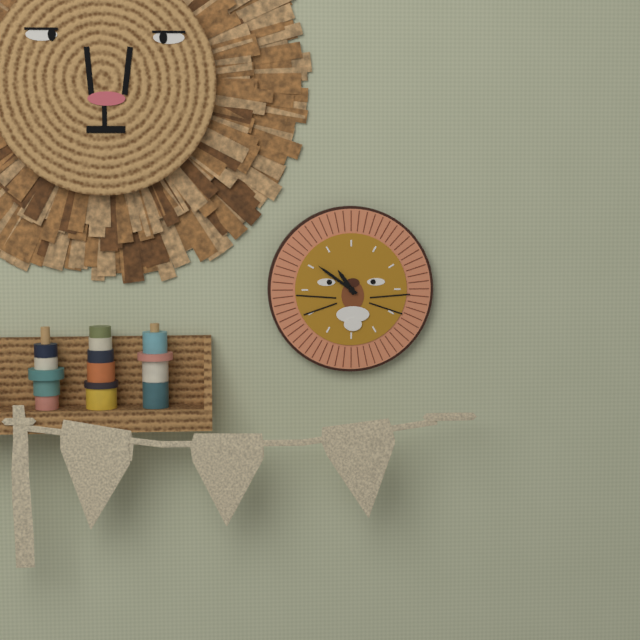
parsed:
10 h 51 min
